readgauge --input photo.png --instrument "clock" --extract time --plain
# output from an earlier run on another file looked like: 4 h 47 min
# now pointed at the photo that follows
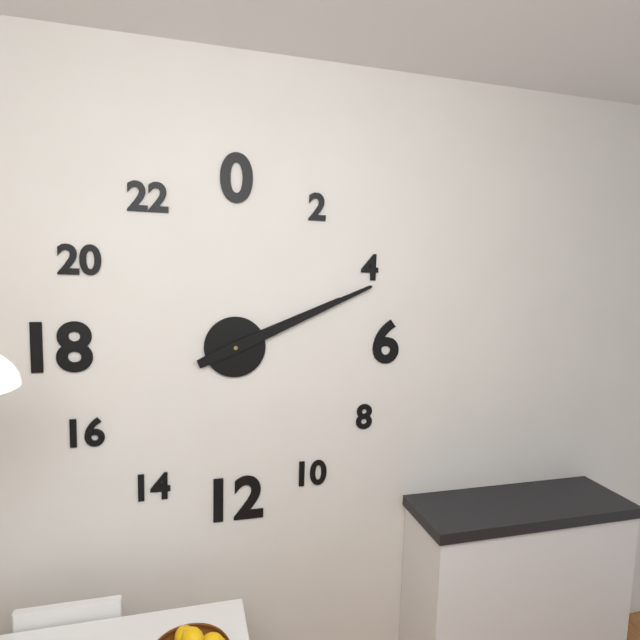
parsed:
2 h 11 min
